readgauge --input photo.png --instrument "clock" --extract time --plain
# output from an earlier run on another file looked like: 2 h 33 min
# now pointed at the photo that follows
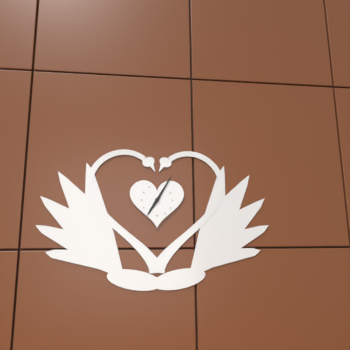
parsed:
7 h 05 min
